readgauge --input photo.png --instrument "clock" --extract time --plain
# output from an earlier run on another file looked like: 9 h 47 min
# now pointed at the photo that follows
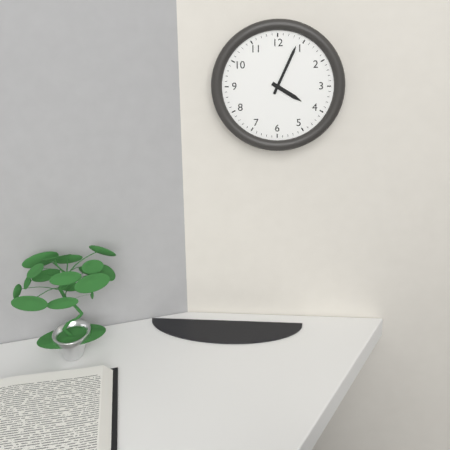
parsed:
4 h 04 min
